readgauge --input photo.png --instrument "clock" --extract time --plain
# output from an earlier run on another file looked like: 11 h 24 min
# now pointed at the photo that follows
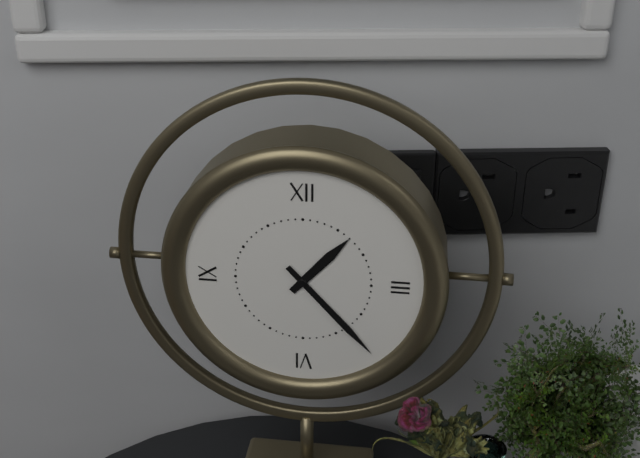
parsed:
1 h 23 min
